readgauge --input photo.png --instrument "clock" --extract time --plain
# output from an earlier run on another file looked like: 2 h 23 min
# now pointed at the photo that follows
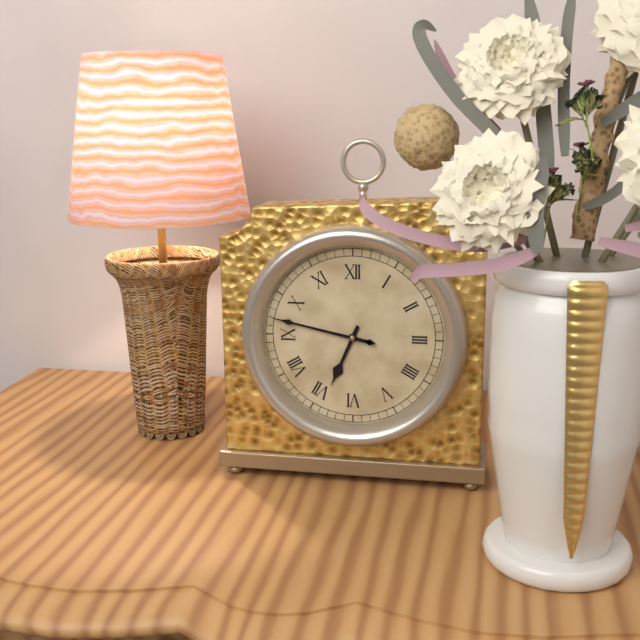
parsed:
6 h 47 min
